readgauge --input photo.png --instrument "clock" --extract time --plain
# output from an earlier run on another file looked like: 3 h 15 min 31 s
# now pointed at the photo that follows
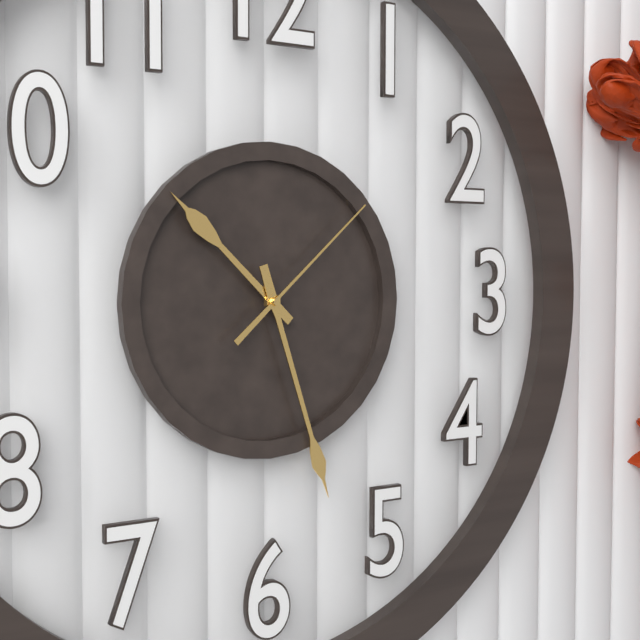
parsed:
10 h 27 min 08 s
